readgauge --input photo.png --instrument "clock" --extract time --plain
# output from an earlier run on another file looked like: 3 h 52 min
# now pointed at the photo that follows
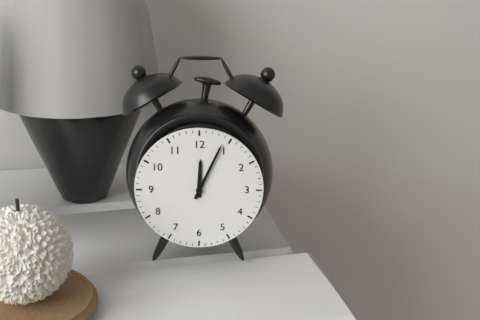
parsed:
12 h 04 min
